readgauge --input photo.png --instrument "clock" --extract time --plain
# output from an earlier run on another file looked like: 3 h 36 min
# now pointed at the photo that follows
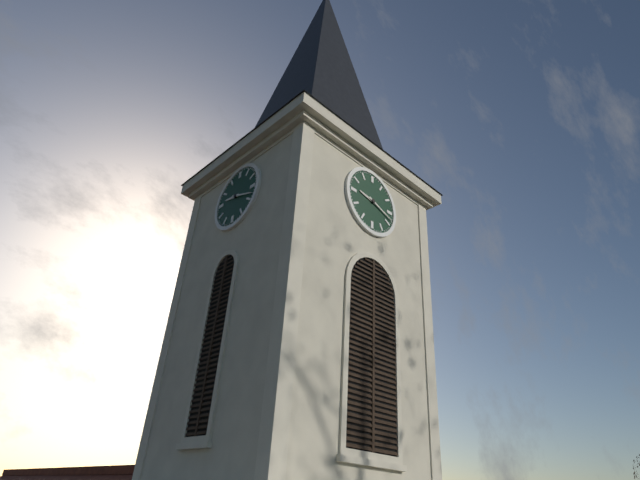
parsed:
9 h 18 min
